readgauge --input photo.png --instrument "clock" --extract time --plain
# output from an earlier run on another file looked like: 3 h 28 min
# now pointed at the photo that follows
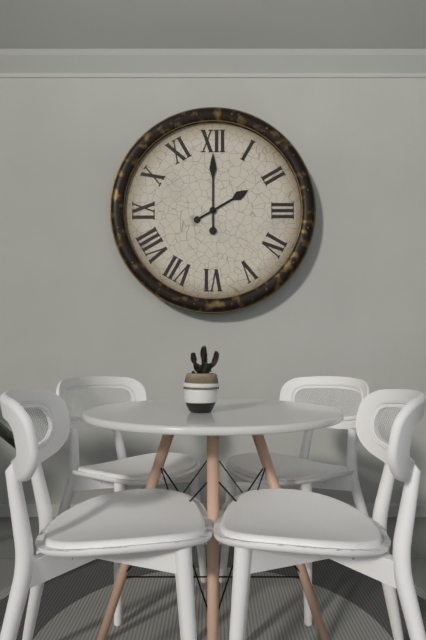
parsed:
2 h 00 min
